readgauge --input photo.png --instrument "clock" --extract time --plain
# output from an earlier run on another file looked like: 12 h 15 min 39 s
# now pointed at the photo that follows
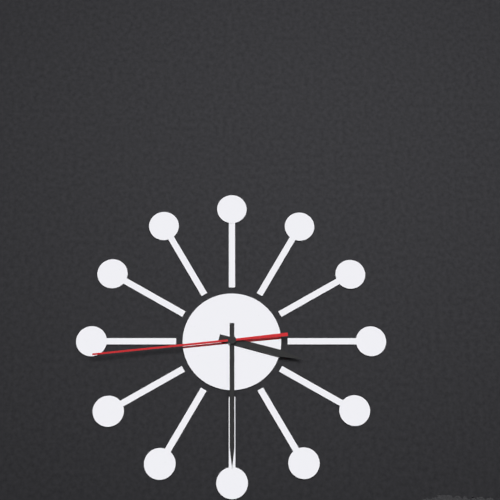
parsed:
3 h 30 min 44 s
